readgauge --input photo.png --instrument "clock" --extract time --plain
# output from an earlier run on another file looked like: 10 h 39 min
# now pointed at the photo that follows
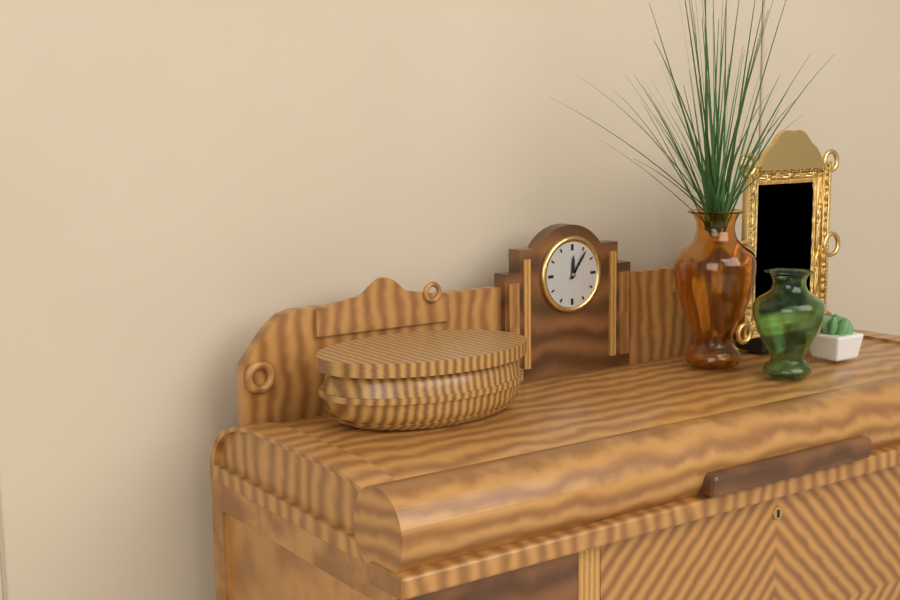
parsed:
12 h 06 min
